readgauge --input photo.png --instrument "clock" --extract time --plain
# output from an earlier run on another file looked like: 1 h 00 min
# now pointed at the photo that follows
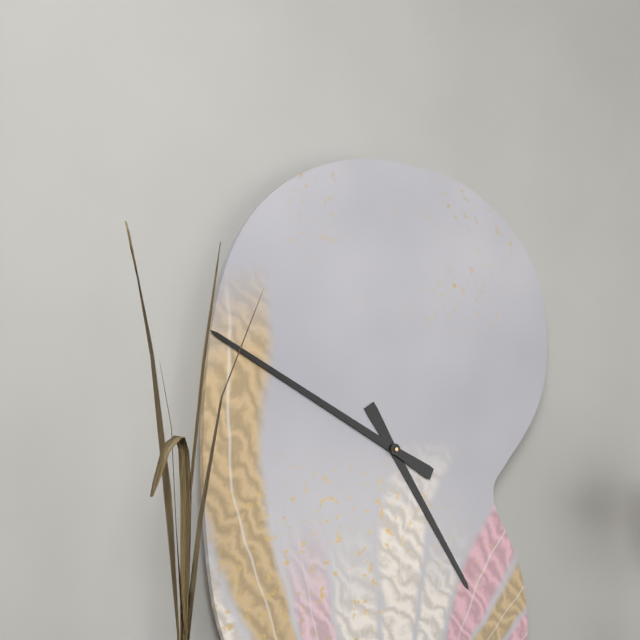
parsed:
4 h 49 min
